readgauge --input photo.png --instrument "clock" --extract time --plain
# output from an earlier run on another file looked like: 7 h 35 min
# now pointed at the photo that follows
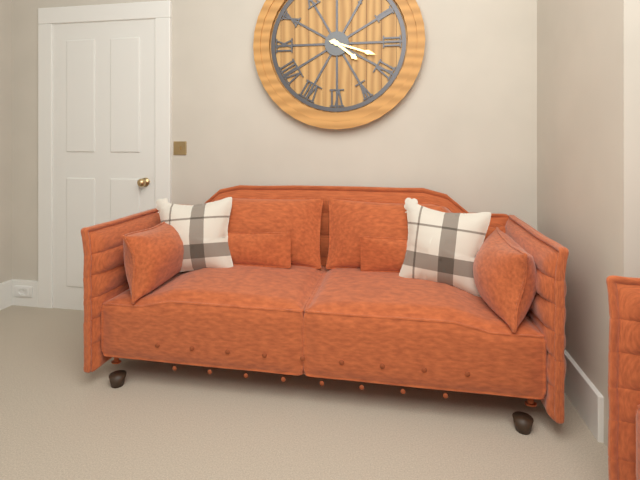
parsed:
4 h 18 min
